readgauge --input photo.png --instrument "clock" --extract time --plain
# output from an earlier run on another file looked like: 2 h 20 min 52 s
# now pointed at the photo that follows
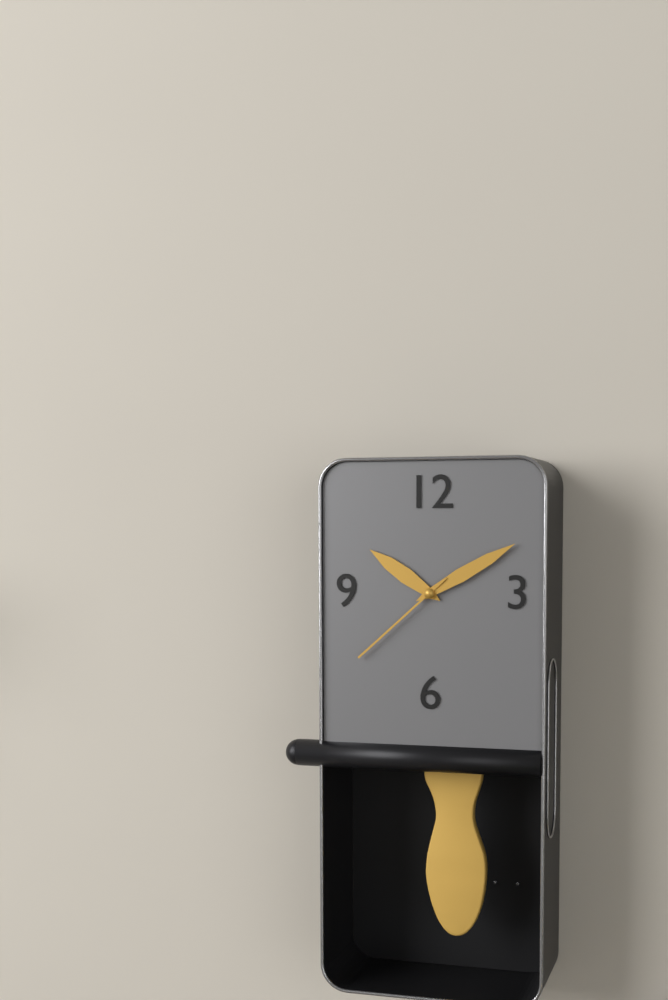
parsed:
10 h 10 min 38 s
